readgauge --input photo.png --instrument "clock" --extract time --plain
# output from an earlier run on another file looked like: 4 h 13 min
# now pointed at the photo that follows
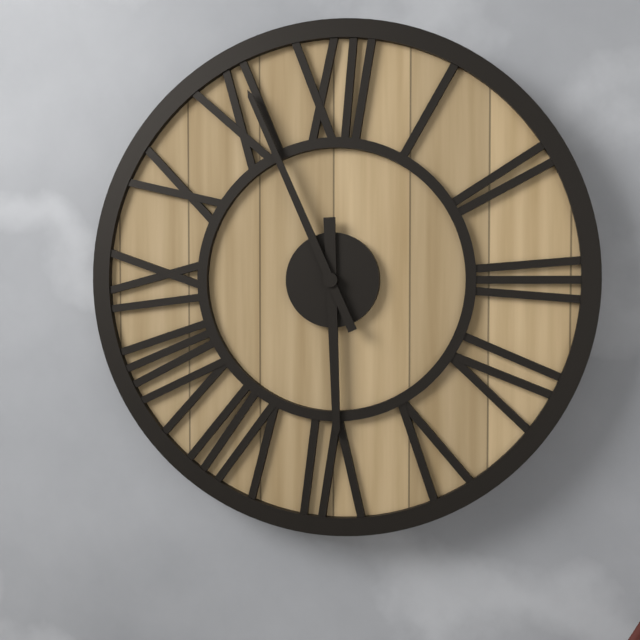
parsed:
5 h 56 min
